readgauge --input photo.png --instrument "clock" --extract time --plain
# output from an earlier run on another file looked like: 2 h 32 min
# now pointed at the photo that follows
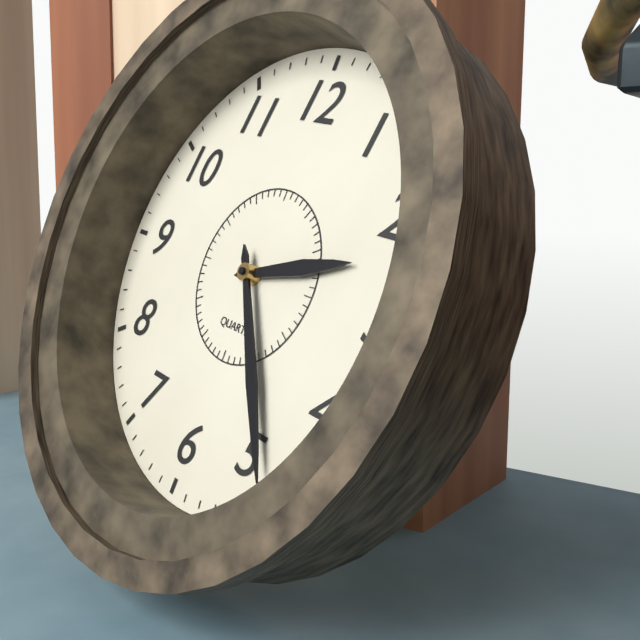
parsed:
2 h 24 min
